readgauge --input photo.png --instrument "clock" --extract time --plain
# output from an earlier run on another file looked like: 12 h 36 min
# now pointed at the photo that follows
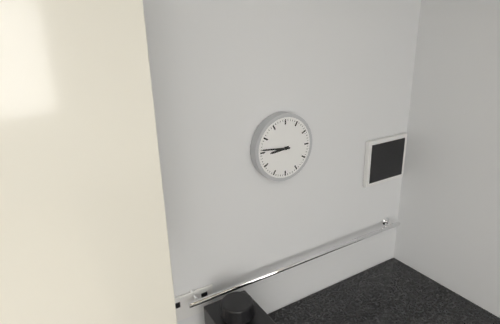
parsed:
8 h 46 min
